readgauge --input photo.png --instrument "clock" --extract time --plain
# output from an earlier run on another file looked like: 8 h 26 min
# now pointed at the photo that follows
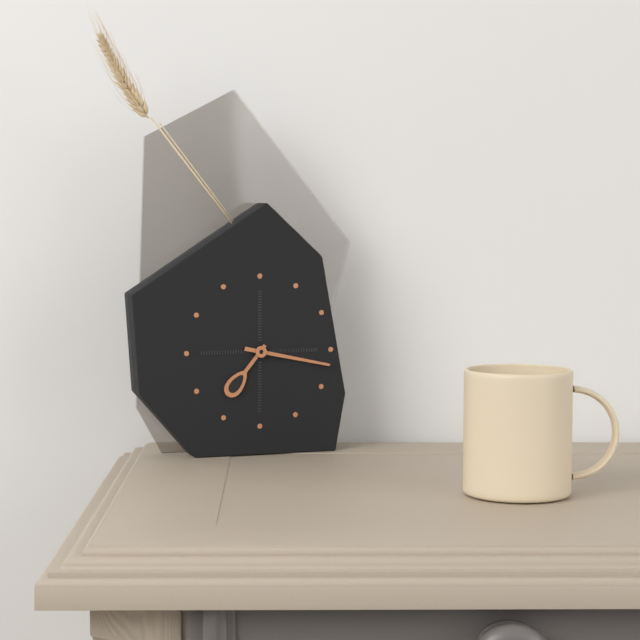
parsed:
7 h 17 min
